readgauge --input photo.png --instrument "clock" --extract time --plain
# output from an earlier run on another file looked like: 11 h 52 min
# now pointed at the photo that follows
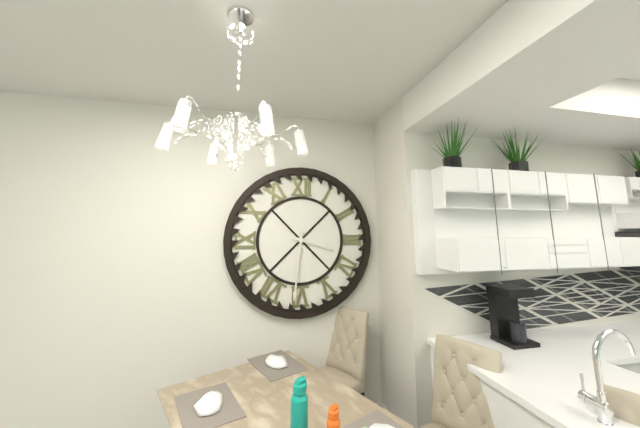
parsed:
3 h 31 min
